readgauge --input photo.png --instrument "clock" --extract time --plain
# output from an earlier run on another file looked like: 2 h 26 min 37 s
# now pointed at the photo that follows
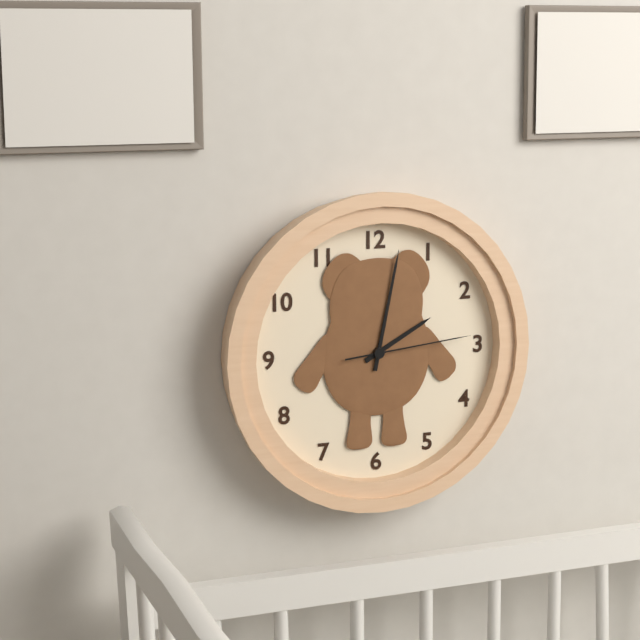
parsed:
2 h 02 min 14 s
